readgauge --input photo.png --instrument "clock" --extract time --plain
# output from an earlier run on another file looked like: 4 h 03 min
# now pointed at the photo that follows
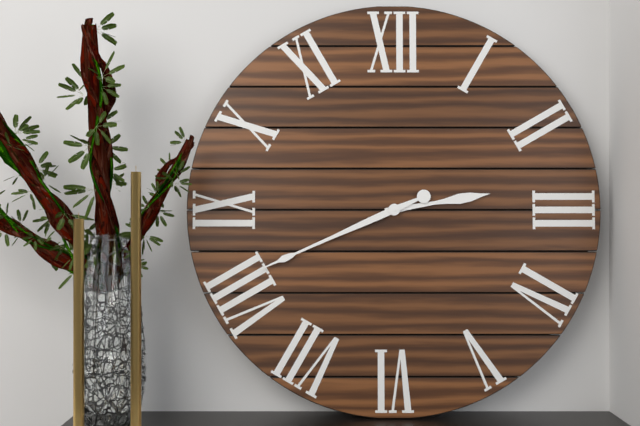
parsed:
2 h 41 min
